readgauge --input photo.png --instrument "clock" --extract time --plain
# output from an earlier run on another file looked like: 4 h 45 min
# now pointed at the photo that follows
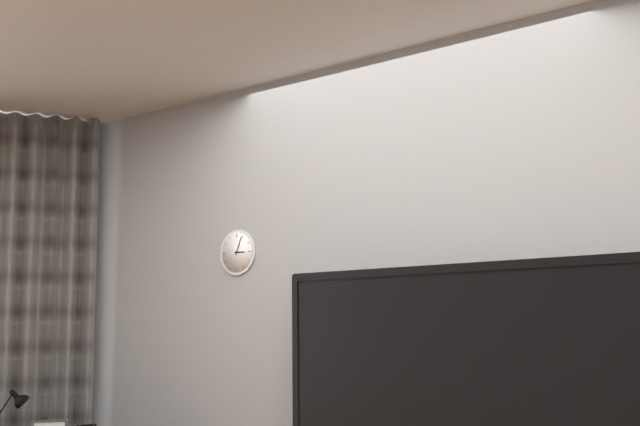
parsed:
3 h 04 min
